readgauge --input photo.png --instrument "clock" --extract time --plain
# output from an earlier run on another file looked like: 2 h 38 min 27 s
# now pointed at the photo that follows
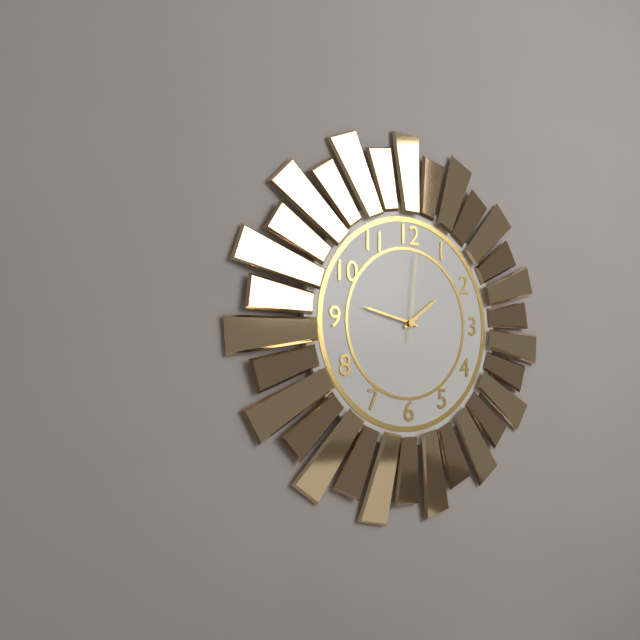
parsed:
1 h 47 min 01 s
